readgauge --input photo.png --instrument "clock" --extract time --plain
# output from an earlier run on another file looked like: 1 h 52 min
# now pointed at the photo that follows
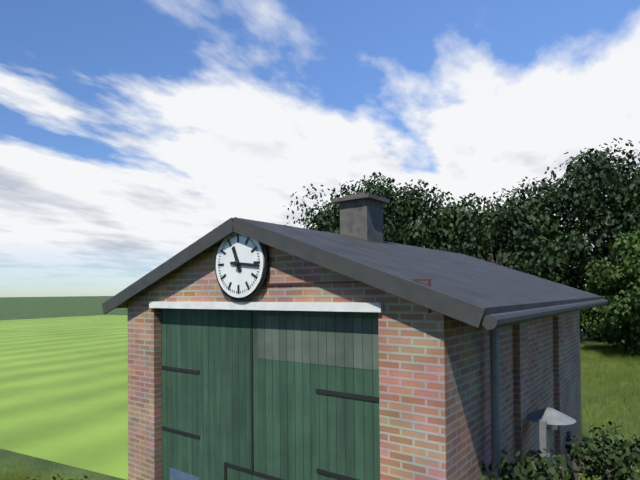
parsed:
11 h 16 min
